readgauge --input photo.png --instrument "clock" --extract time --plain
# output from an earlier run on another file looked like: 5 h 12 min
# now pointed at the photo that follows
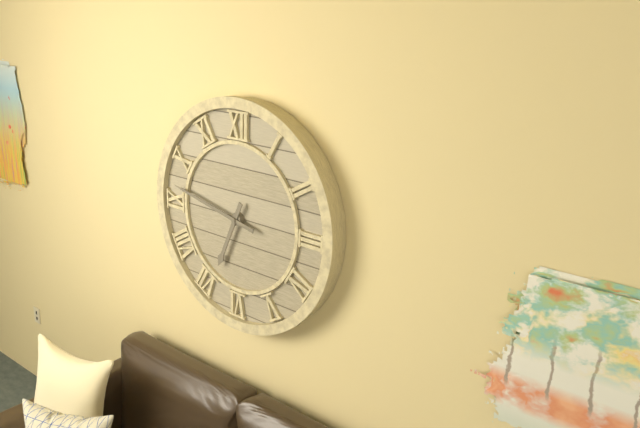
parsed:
6 h 47 min
